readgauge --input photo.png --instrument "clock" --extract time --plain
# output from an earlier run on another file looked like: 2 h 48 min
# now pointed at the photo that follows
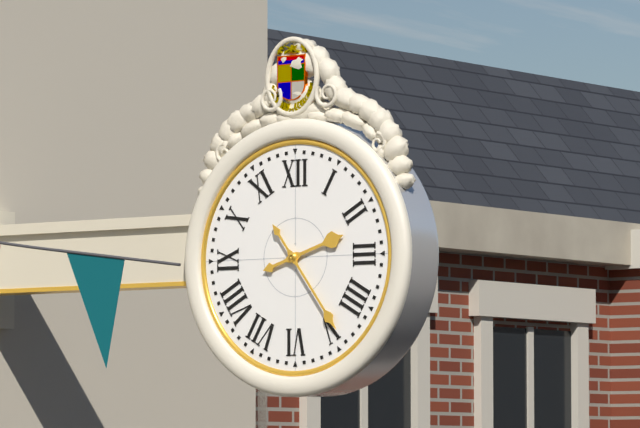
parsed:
2 h 24 min
